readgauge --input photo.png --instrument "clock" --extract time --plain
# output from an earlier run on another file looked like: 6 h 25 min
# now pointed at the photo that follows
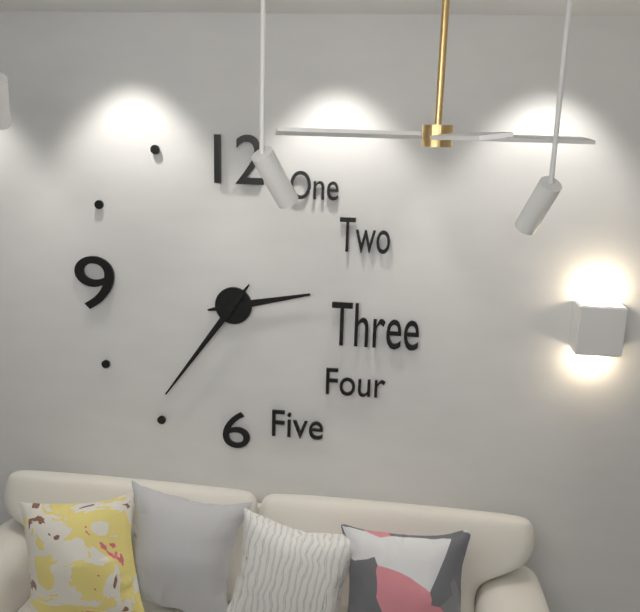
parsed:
2 h 36 min
